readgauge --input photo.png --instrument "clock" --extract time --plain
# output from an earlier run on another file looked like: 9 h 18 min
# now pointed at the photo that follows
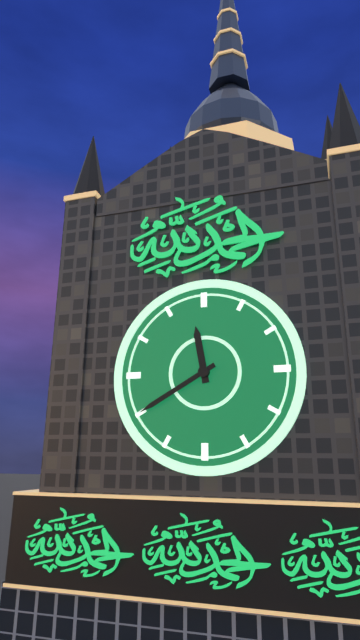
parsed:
11 h 40 min
